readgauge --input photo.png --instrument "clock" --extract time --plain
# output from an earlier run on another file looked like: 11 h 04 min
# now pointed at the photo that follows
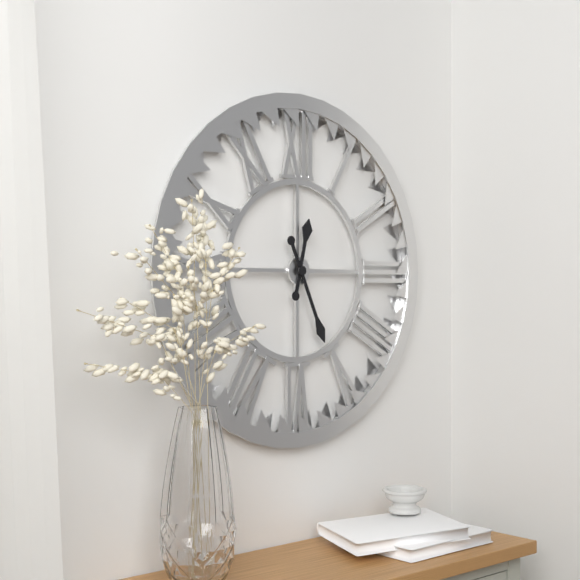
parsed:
12 h 26 min
